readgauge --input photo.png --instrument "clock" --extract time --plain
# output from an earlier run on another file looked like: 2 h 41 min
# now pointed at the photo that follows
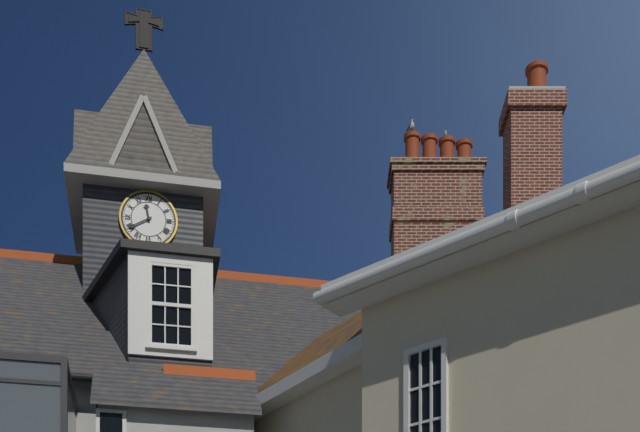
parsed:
11 h 40 min
